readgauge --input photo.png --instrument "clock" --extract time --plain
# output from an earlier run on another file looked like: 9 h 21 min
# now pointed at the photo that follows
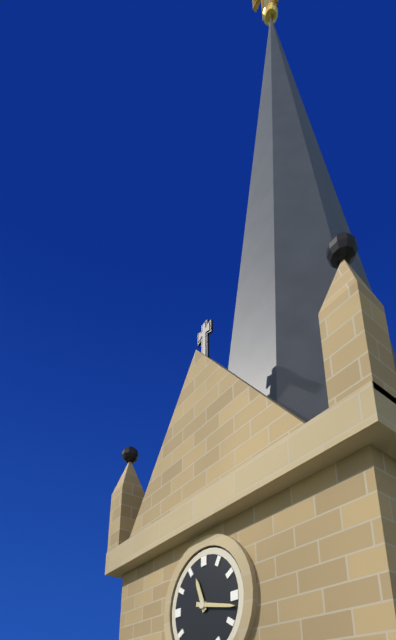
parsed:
11 h 17 min
